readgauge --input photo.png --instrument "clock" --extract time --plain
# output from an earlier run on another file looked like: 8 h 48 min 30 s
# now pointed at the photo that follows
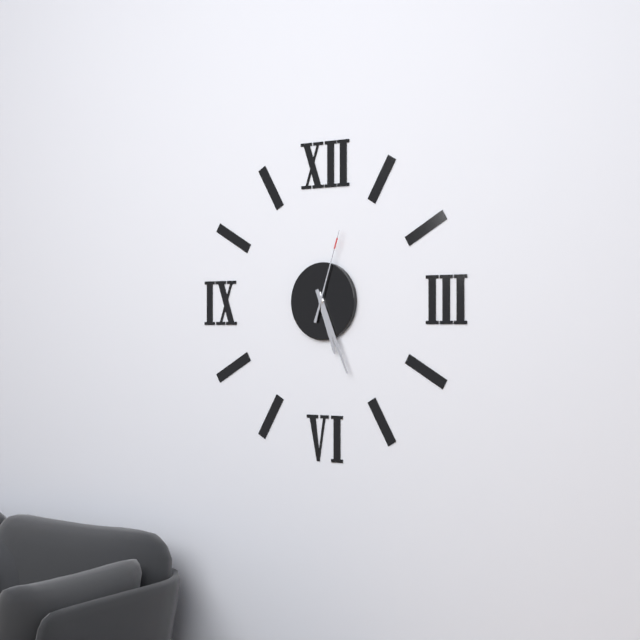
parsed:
5 h 26 min 03 s
